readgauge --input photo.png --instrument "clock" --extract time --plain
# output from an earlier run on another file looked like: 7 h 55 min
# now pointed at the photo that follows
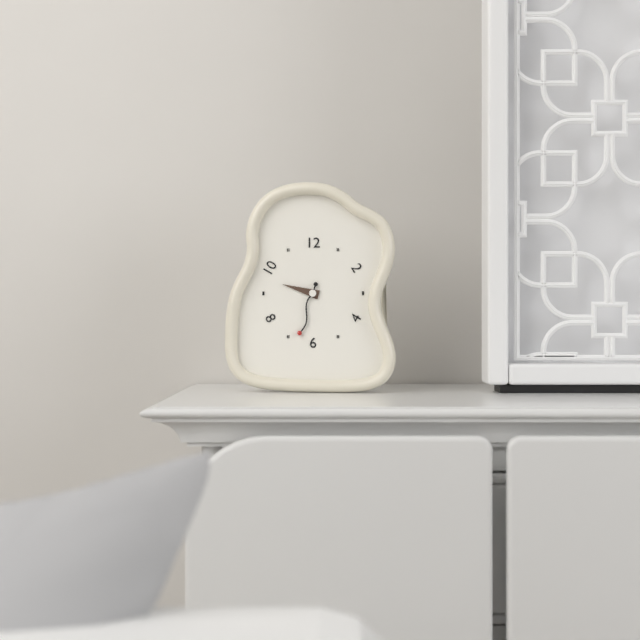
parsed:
9 h 33 min
